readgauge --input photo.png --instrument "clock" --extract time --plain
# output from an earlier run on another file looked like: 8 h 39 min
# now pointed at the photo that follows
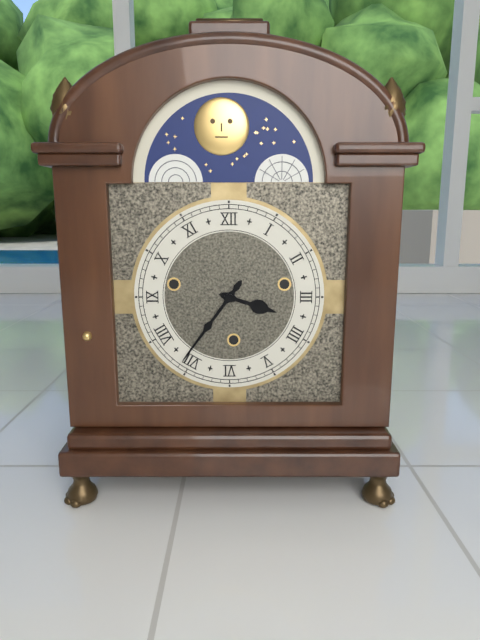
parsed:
3 h 36 min
